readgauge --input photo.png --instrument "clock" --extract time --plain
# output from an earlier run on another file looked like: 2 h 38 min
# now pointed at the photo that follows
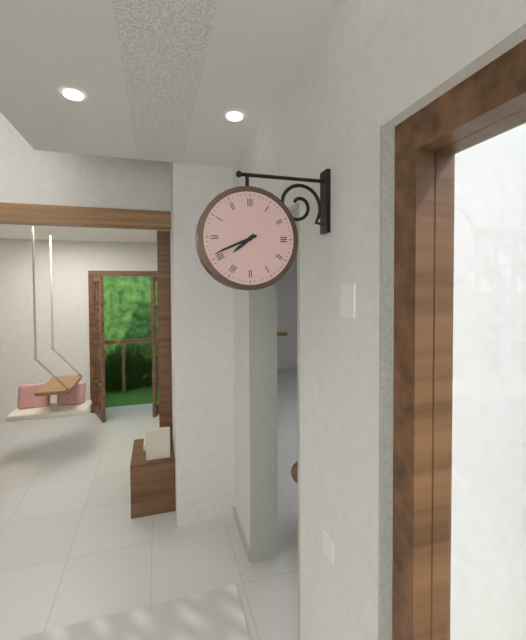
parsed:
7 h 41 min
